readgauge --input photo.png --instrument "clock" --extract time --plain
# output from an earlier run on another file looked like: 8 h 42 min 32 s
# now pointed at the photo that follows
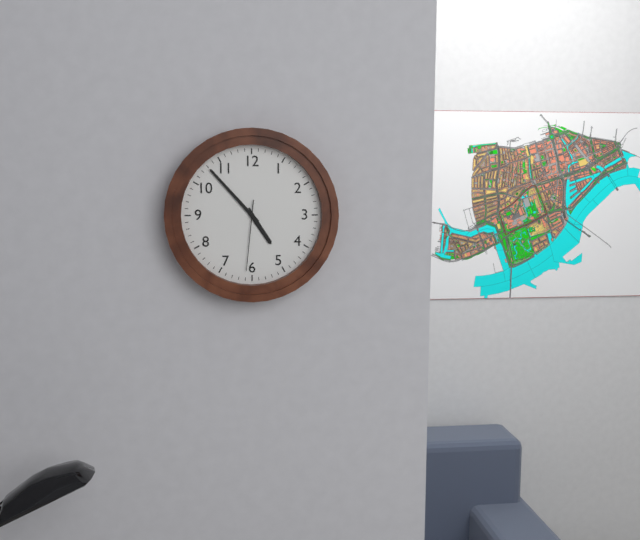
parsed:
4 h 53 min 31 s
